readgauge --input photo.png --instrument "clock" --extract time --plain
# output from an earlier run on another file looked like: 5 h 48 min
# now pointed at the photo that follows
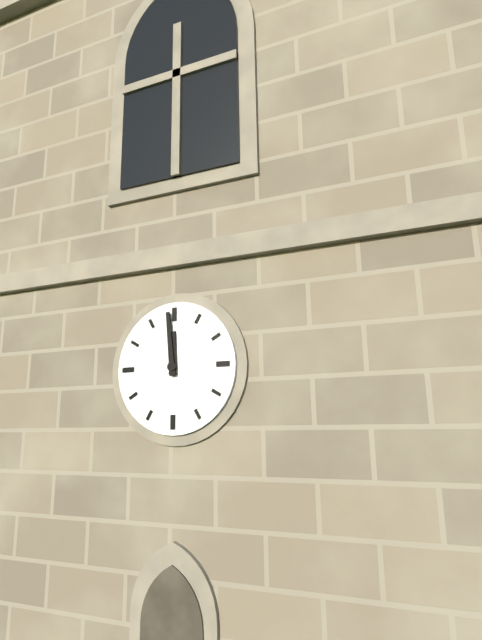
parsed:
11 h 59 min
